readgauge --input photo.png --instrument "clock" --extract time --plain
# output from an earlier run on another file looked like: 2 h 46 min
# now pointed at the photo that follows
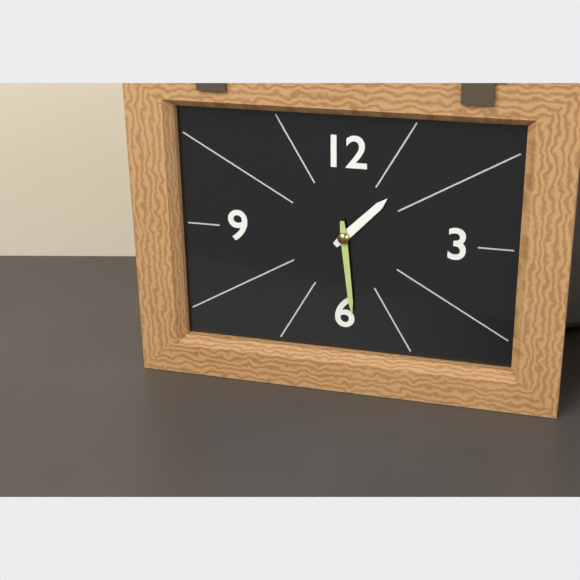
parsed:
1 h 29 min
